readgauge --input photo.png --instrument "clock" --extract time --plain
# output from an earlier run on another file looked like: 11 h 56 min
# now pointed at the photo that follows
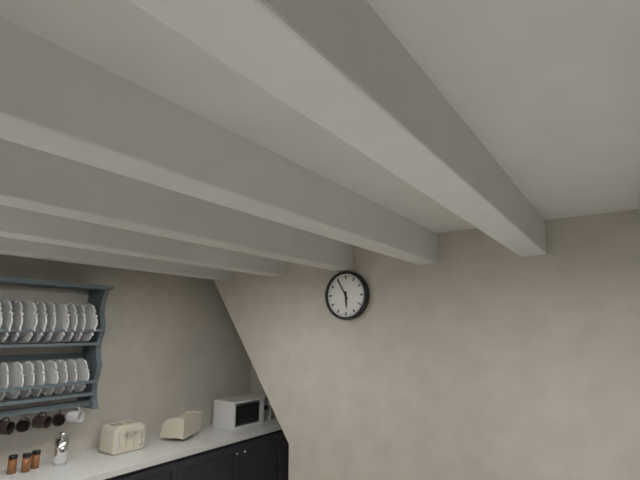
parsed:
5 h 55 min
